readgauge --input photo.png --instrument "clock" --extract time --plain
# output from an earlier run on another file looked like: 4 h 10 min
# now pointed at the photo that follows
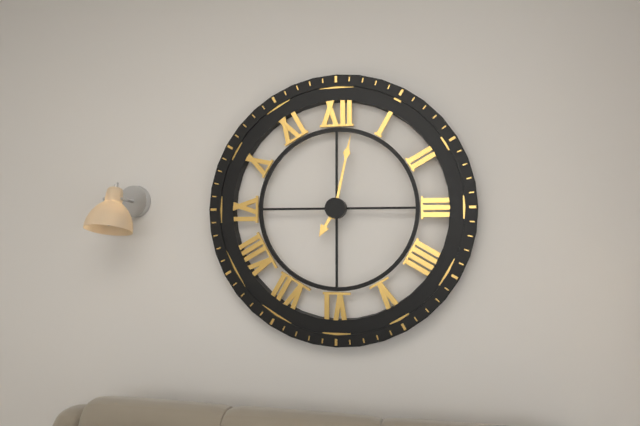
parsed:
7 h 02 min
